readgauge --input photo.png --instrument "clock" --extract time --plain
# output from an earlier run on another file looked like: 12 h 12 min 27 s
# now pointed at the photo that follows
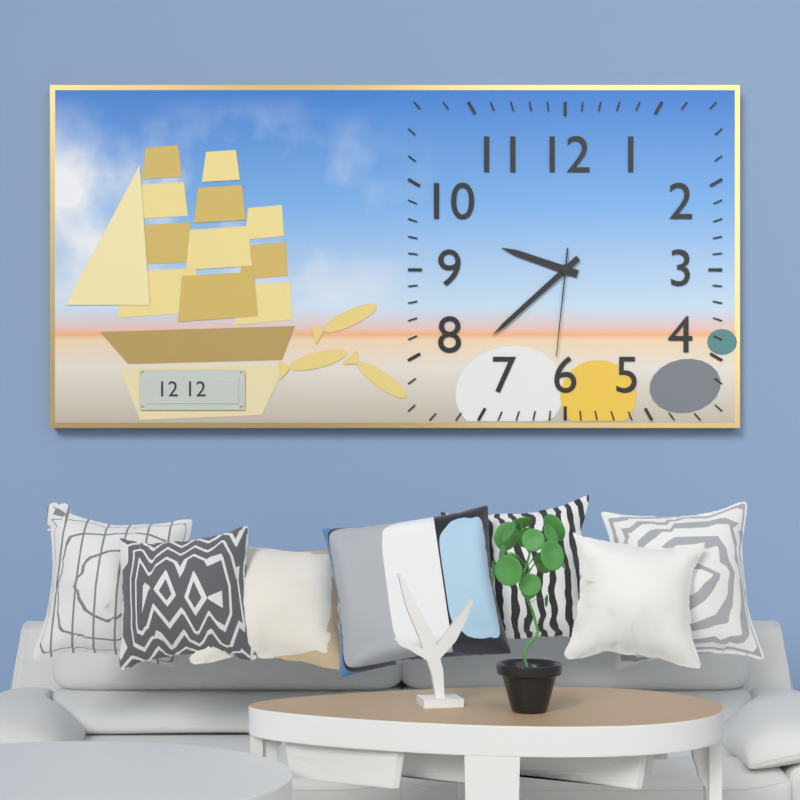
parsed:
9 h 38 min 31 s
